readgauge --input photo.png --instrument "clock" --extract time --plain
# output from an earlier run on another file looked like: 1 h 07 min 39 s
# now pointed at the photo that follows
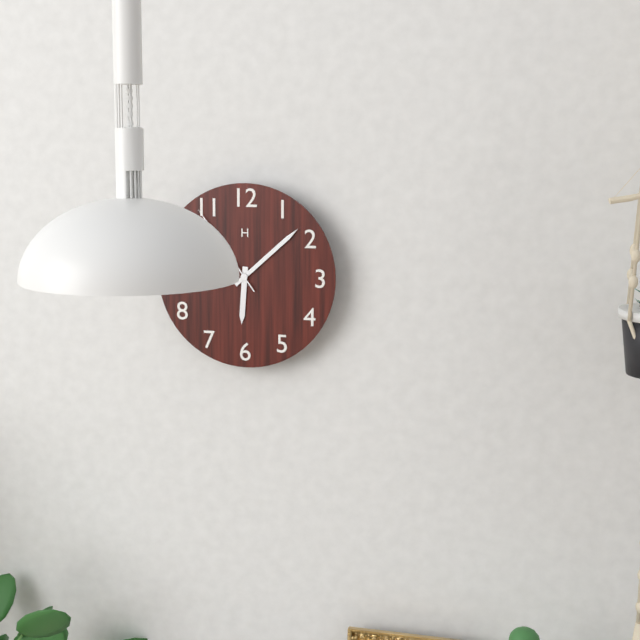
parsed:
6 h 08 min 54 s
